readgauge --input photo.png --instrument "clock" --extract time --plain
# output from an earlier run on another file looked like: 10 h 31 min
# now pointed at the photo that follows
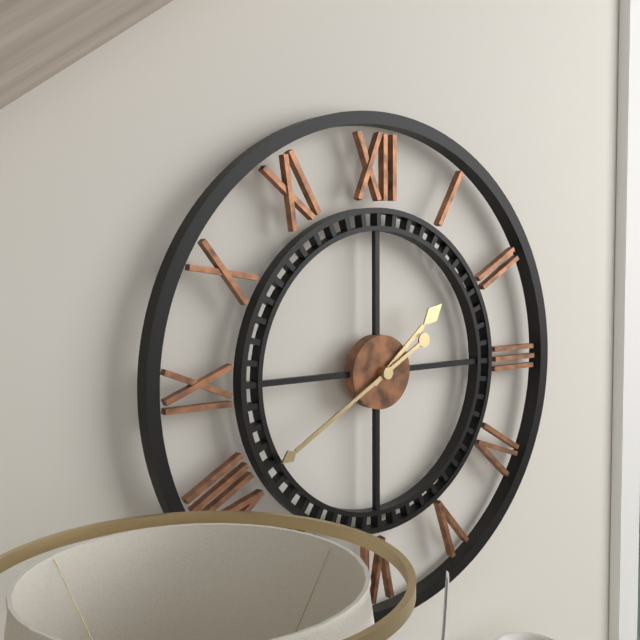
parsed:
1 h 40 min
